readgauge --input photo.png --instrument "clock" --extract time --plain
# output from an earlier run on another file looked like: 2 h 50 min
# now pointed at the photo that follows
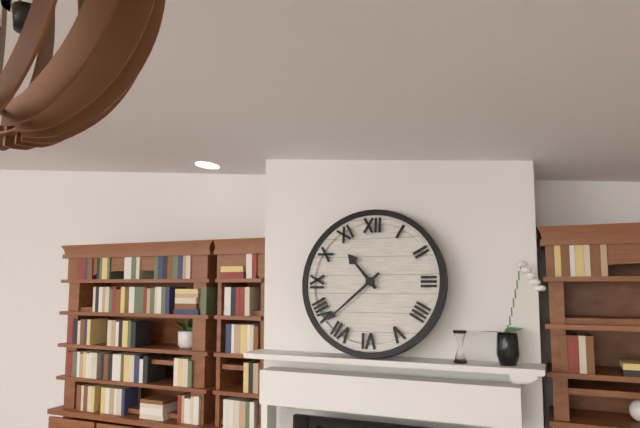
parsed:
10 h 38 min
